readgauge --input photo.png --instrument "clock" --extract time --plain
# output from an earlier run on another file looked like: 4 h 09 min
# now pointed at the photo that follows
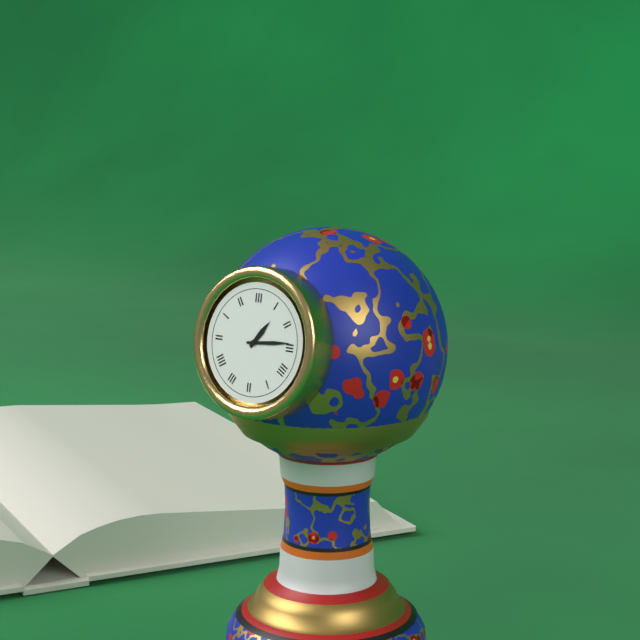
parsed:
1 h 14 min
